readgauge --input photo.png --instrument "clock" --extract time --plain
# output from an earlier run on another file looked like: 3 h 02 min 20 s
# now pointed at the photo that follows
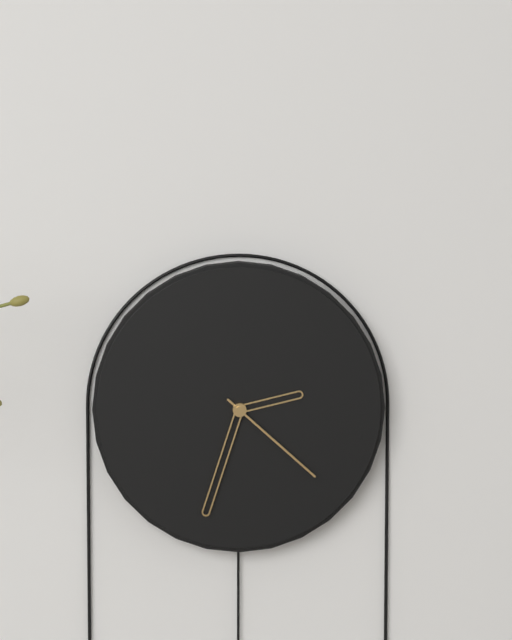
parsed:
2 h 33 min 22 s
